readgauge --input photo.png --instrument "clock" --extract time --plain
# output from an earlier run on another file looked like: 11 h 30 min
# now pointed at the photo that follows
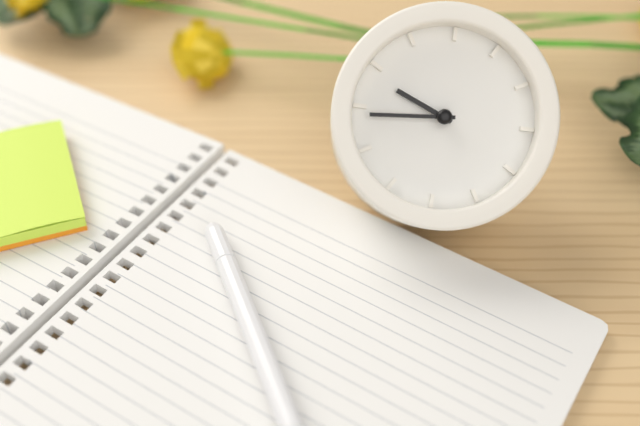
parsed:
9 h 44 min
